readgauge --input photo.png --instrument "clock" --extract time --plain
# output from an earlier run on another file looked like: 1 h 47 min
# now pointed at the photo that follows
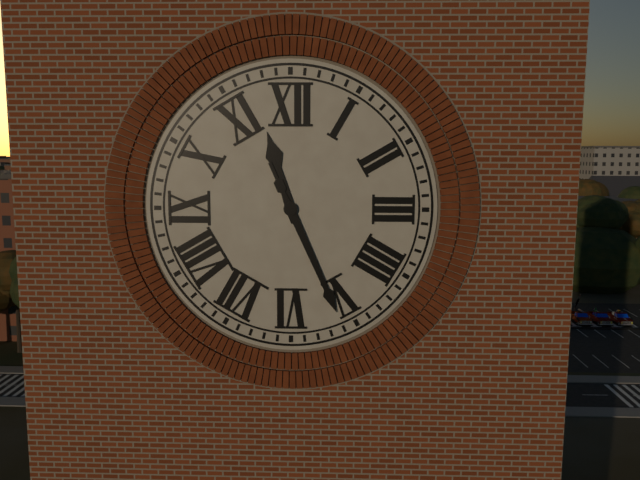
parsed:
11 h 26 min
